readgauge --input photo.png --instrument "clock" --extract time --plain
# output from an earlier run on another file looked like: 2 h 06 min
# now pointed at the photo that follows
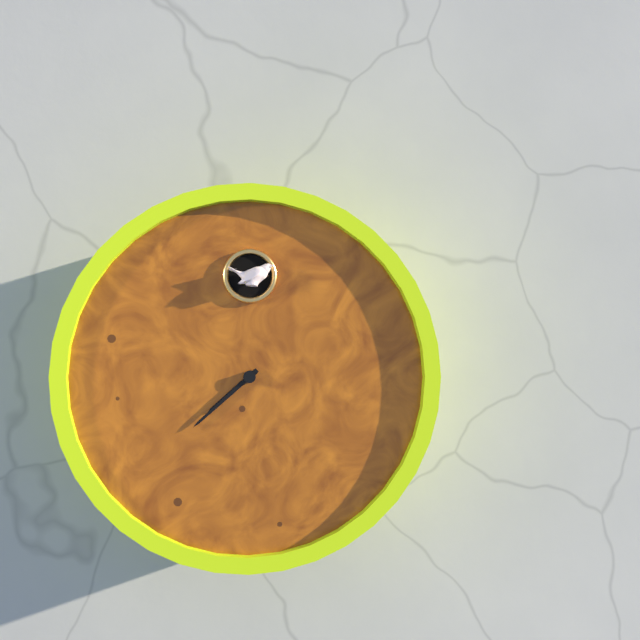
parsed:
7 h 38 min
